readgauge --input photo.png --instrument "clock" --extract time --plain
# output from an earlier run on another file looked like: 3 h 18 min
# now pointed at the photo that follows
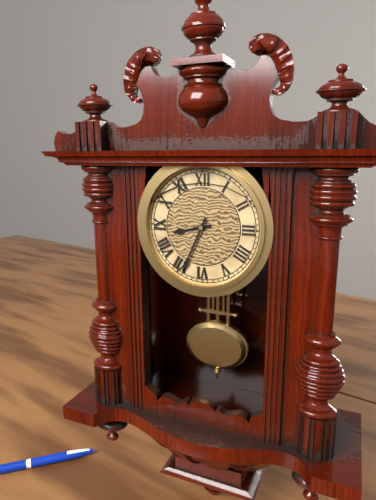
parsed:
8 h 34 min
